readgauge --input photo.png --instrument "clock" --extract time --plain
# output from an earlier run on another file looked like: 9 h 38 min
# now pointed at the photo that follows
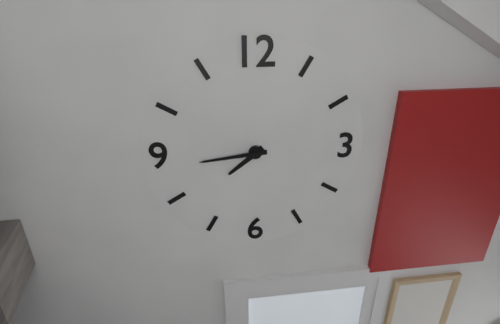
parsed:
7 h 44 min
